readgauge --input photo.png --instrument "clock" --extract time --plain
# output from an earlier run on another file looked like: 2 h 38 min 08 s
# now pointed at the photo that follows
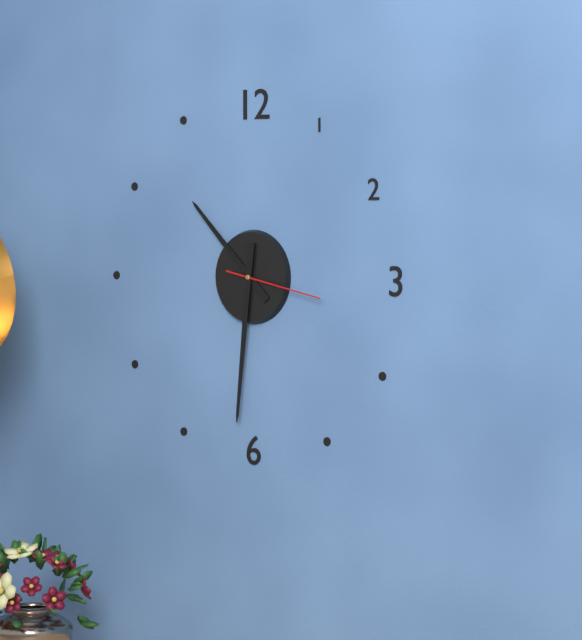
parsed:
10 h 31 min 17 s
